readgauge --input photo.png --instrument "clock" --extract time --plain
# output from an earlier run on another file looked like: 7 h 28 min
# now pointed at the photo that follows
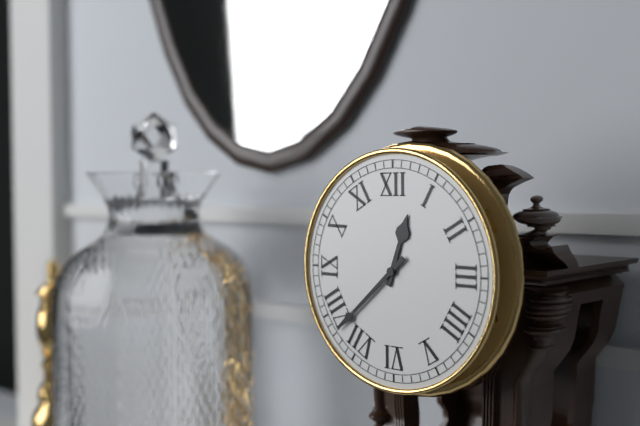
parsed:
12 h 38 min
